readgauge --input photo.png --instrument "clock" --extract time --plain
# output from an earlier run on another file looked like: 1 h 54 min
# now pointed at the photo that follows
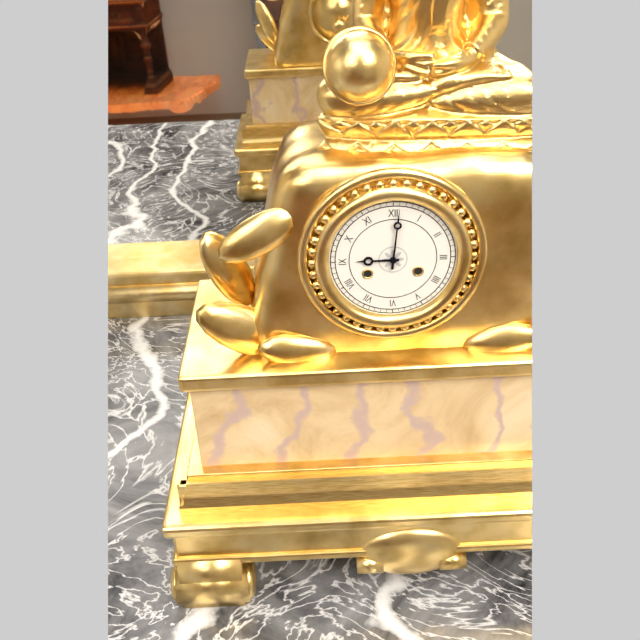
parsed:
9 h 01 min
